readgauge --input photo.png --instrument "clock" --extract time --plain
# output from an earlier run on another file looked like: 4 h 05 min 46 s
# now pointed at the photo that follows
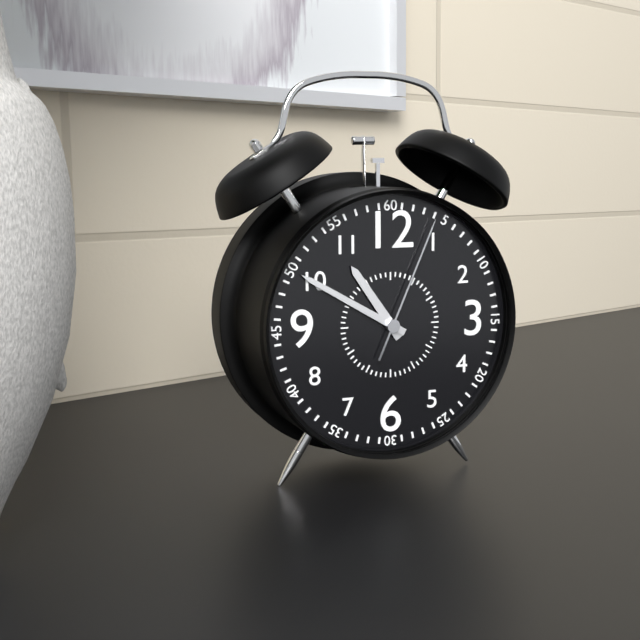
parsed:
10 h 50 min 04 s
